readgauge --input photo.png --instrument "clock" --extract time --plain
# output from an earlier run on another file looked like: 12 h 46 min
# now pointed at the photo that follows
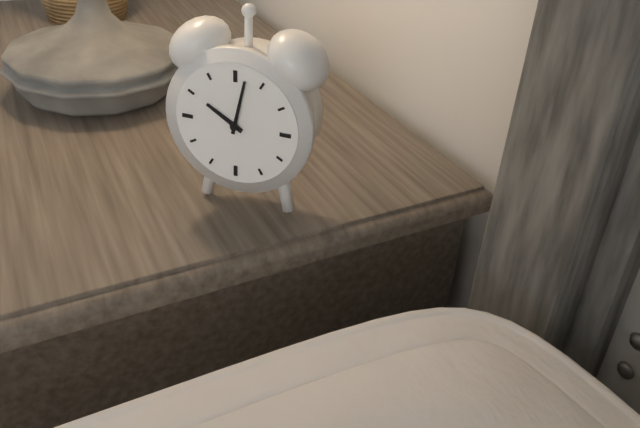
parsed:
10 h 02 min
